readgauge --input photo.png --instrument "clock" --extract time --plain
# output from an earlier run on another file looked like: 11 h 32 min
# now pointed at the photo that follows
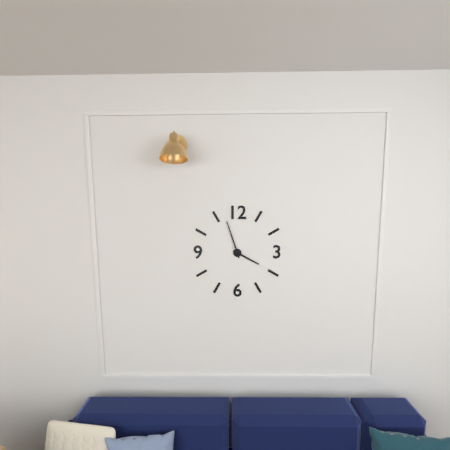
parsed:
3 h 57 min
